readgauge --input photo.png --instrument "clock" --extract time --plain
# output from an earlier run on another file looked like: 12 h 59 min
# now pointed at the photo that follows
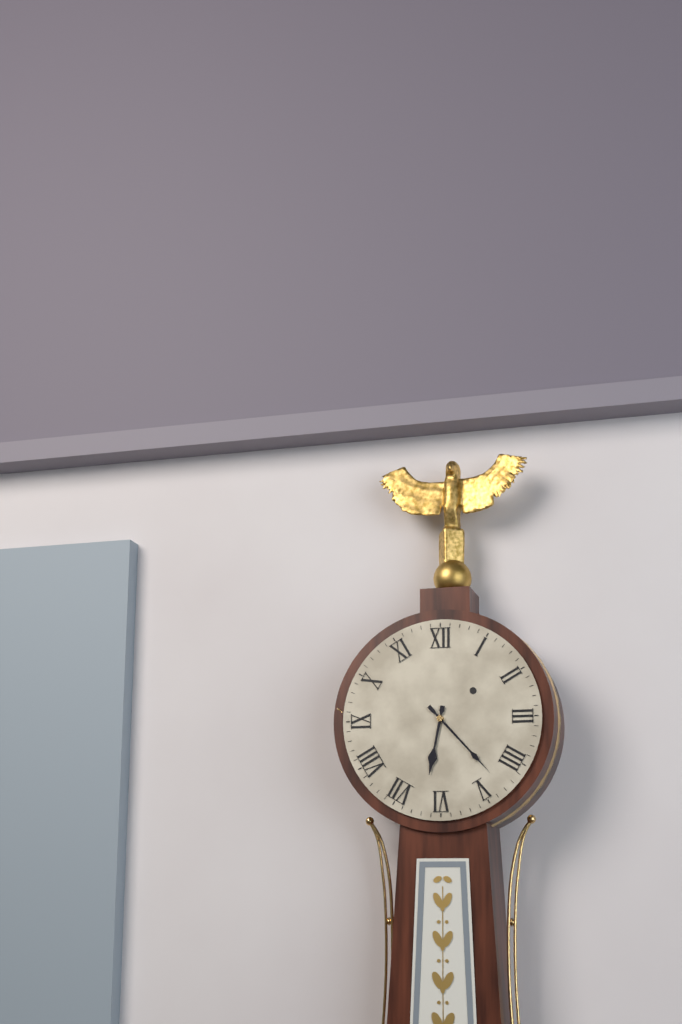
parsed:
6 h 23 min
